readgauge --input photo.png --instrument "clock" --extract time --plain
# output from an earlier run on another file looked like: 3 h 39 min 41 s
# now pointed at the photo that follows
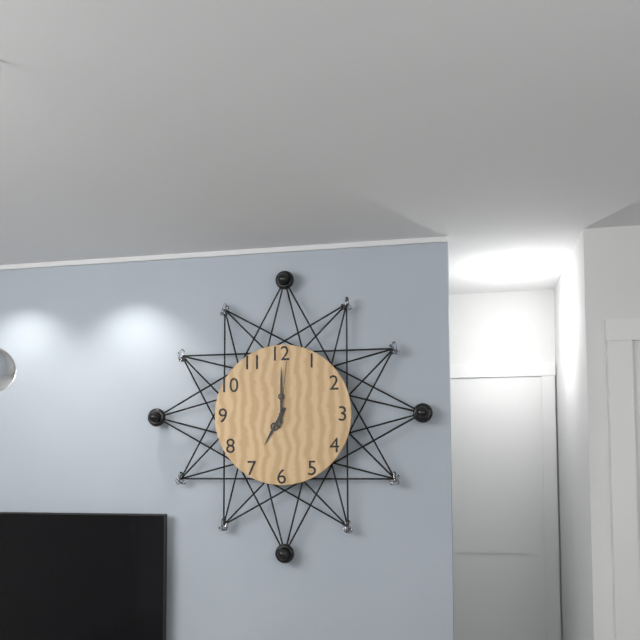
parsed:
7 h 00 min 01 s
